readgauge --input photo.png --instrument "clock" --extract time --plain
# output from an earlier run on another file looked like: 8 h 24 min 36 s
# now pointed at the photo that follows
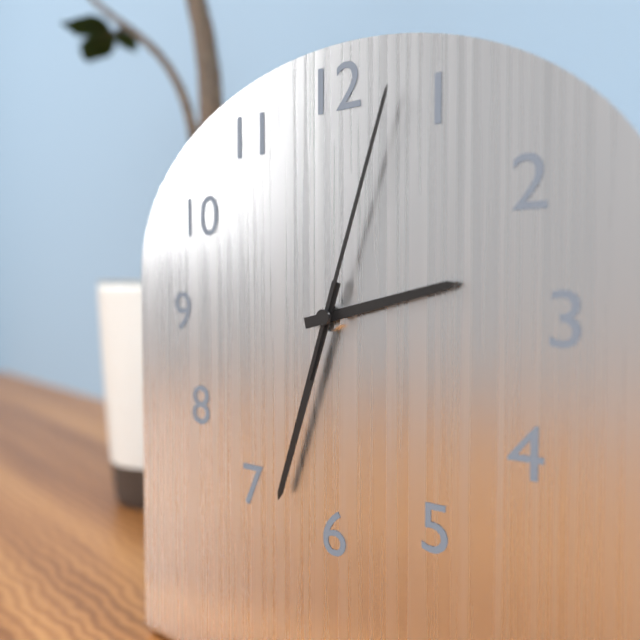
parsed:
2 h 33 min 03 s
